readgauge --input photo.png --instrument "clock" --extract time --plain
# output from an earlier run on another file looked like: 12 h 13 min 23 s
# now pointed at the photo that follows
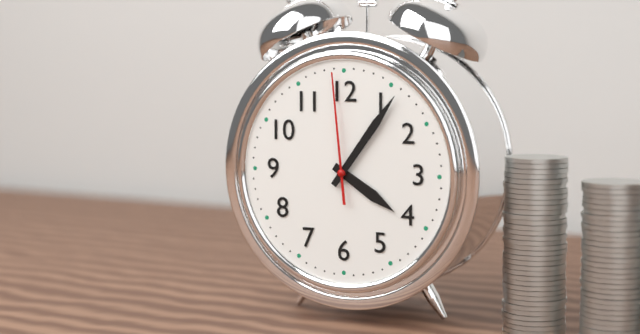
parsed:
4 h 06 min 59 s
